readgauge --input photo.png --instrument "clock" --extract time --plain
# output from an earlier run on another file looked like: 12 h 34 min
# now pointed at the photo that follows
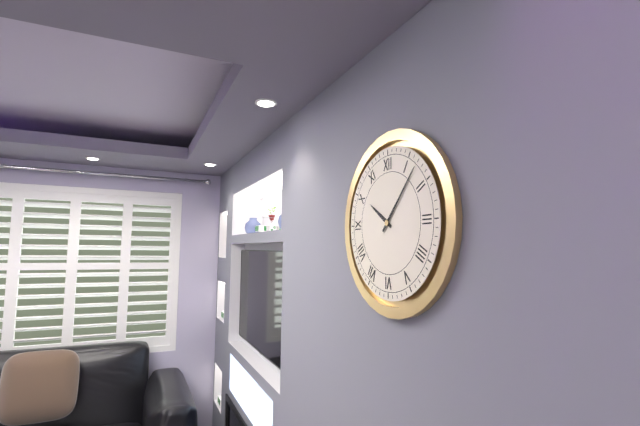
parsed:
10 h 07 min
